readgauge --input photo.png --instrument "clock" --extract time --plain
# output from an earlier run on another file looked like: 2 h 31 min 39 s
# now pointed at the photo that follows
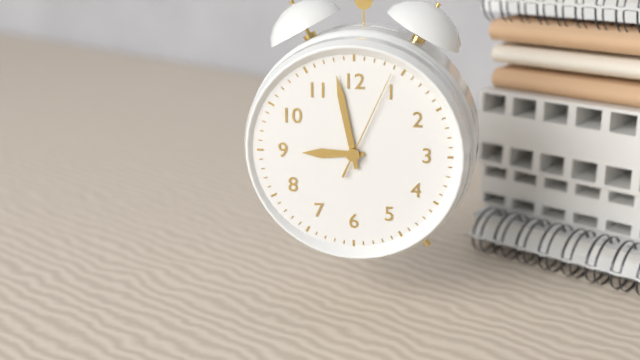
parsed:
8 h 58 min 04 s
